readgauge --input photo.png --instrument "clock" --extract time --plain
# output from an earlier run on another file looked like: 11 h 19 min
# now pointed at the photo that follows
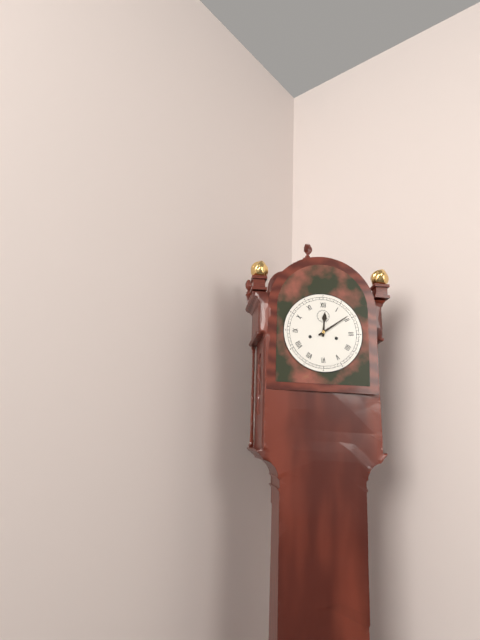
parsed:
12 h 09 min
